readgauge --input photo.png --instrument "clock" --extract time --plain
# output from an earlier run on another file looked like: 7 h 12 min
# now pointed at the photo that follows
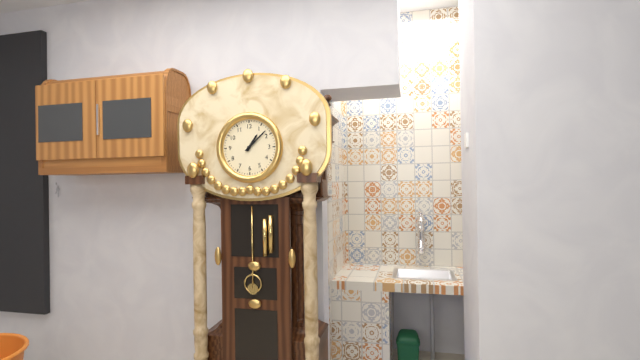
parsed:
1 h 08 min
